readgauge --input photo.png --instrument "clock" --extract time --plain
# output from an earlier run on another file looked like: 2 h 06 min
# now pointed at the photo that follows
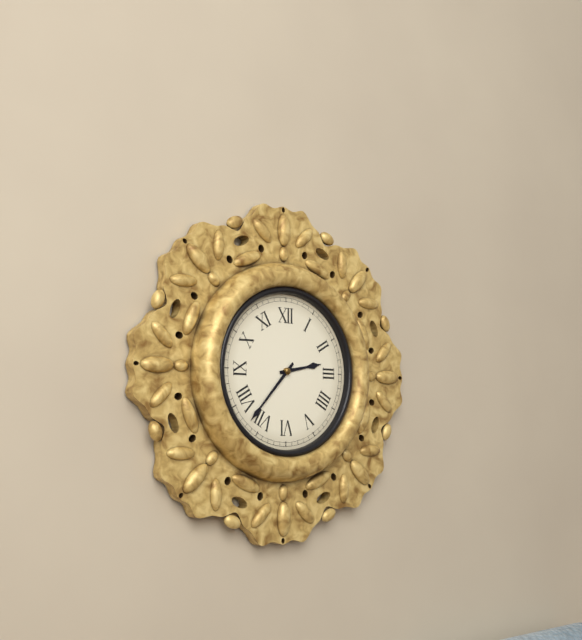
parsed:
2 h 37 min
